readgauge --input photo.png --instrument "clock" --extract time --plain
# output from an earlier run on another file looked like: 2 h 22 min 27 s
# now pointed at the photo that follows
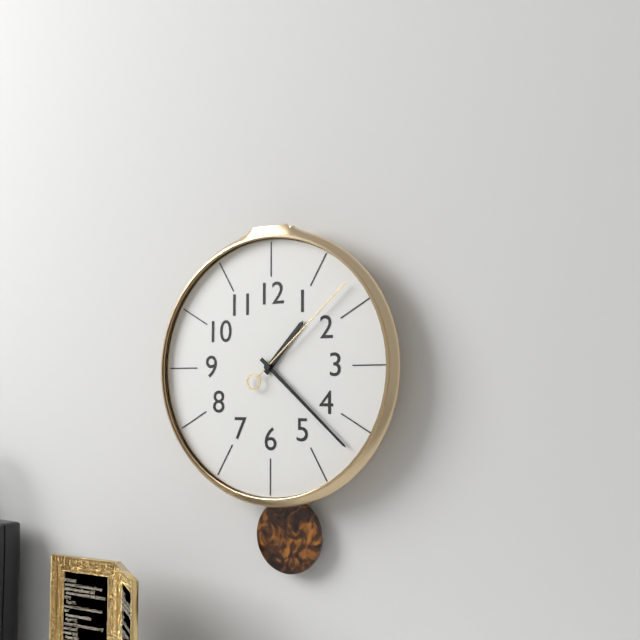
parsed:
1 h 22 min 08 s
